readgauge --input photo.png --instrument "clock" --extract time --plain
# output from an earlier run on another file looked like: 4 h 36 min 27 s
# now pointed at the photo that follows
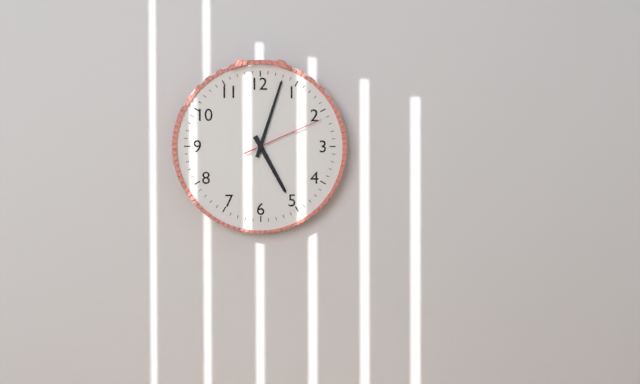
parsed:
5 h 03 min 11 s
